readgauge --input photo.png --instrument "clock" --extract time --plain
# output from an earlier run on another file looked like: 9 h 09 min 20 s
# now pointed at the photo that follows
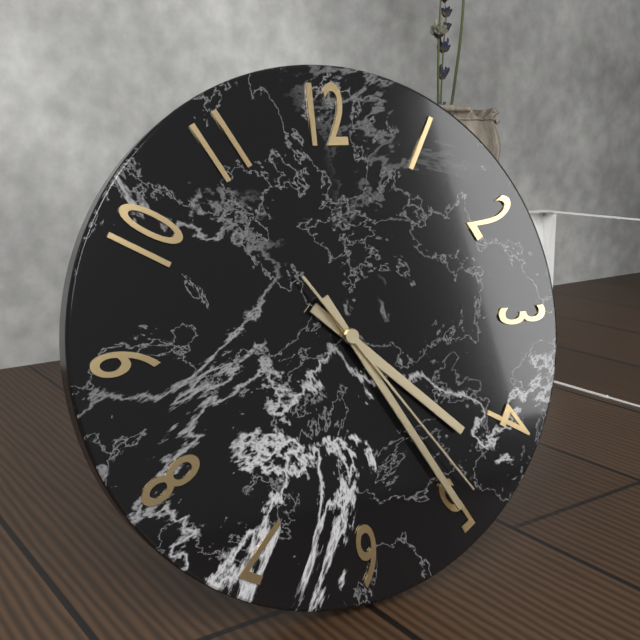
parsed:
4 h 25 min 24 s
